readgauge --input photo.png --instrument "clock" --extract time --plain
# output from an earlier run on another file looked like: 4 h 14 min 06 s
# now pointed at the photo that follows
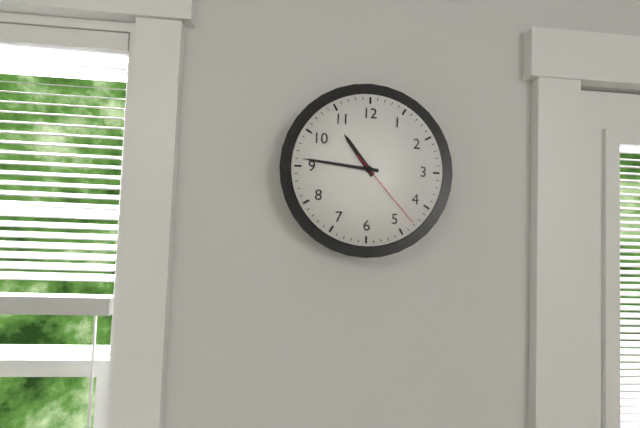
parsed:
10 h 46 min 23 s
